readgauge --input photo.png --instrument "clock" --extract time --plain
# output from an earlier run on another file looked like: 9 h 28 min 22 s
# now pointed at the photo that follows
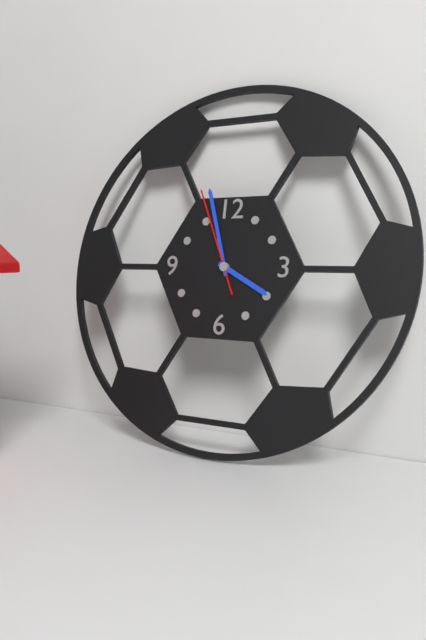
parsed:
3 h 57 min 56 s
